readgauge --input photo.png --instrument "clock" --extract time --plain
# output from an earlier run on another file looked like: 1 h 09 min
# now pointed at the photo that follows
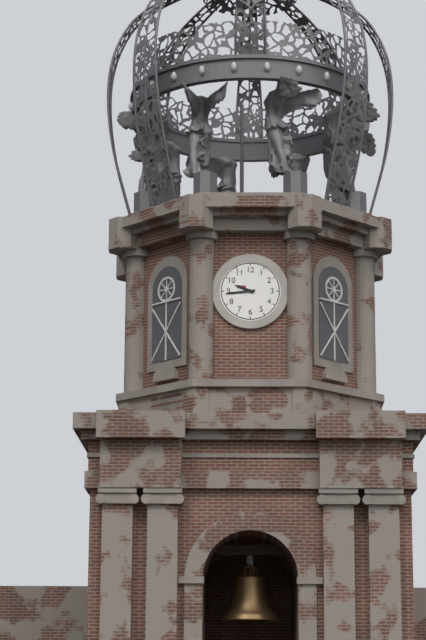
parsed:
9 h 44 min
